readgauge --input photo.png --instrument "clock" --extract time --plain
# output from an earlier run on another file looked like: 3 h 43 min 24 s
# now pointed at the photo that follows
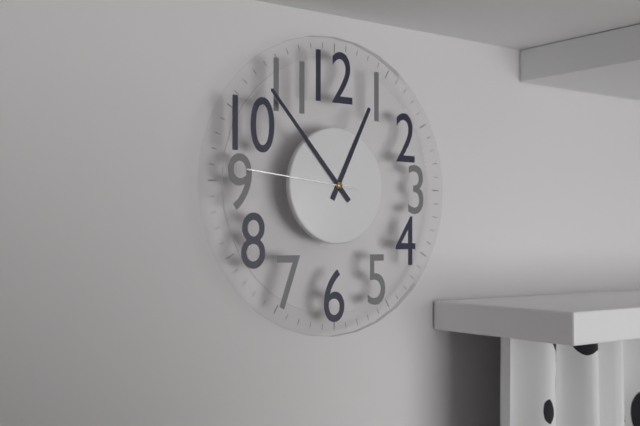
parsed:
12 h 53 min 46 s
